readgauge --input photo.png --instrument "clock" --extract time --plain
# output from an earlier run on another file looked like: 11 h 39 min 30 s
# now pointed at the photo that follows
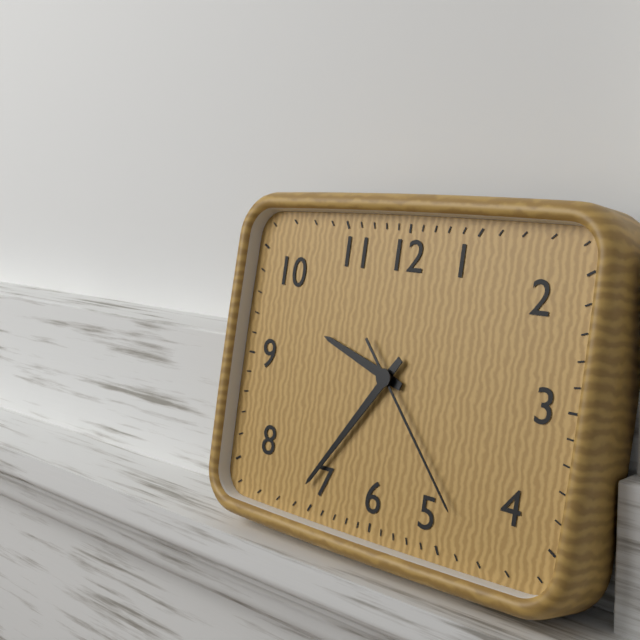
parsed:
9 h 36 min 23 s
